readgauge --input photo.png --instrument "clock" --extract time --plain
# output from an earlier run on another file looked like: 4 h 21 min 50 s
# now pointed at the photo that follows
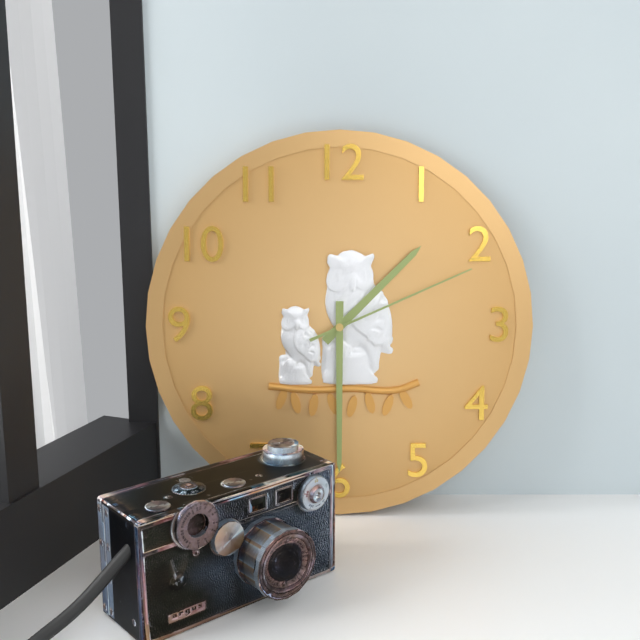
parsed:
1 h 30 min 11 s
